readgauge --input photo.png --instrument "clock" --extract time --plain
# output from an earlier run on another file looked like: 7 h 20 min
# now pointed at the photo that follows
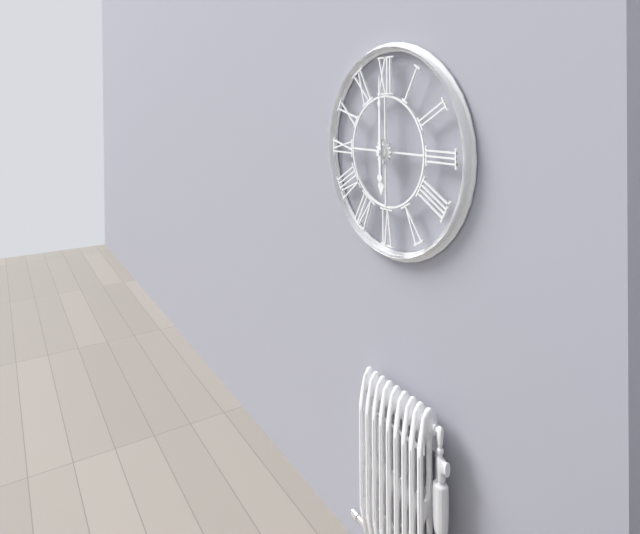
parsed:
6 h 00 min
